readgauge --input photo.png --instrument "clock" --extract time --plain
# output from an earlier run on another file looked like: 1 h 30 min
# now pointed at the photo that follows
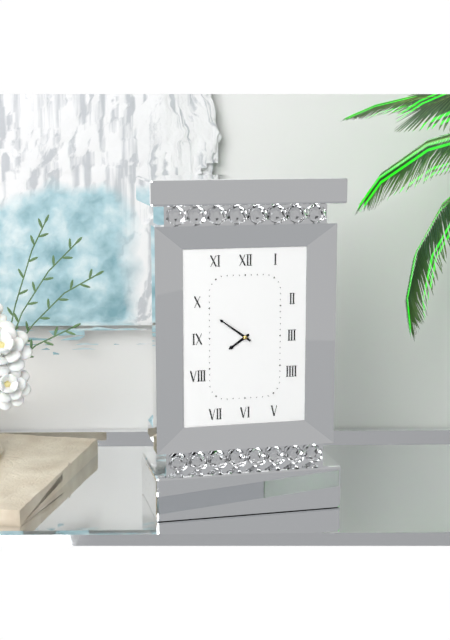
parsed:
7 h 51 min
